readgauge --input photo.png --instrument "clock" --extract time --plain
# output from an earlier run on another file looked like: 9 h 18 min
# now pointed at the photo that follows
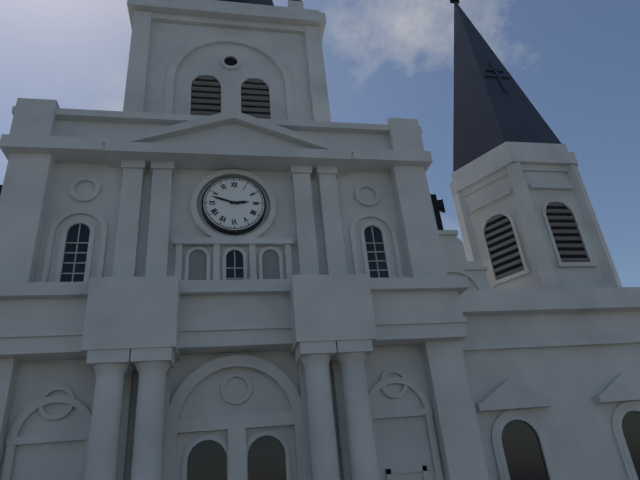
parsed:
2 h 48 min
